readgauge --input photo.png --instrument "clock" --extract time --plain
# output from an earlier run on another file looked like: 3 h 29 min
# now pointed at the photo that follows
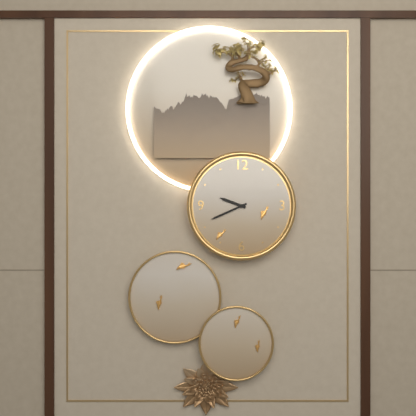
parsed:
9 h 41 min
